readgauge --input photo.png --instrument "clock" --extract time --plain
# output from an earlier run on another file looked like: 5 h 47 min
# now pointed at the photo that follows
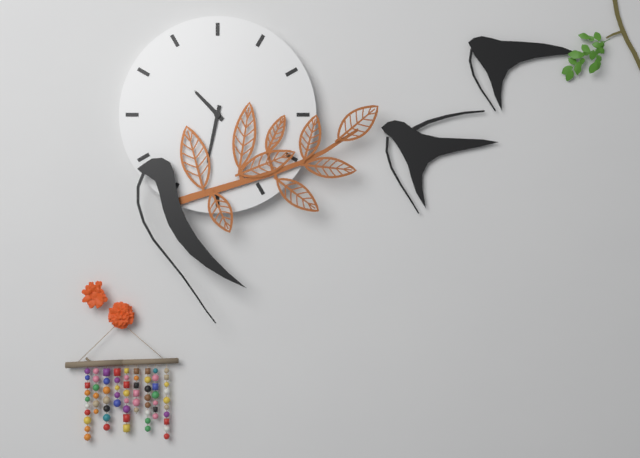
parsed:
10 h 32 min
